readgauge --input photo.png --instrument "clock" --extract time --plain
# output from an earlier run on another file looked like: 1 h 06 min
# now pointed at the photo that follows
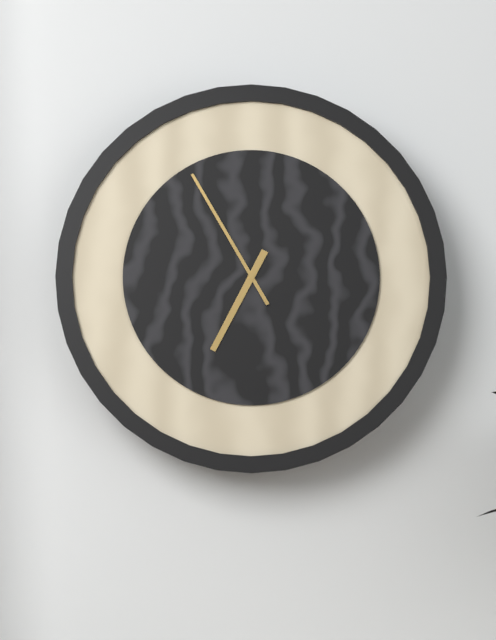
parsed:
6 h 55 min
